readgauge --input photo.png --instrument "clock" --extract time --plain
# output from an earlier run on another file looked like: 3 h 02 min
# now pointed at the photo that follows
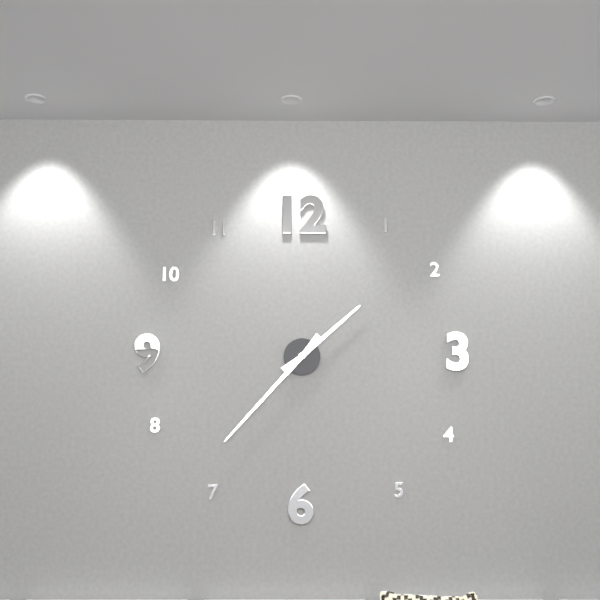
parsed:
1 h 37 min
